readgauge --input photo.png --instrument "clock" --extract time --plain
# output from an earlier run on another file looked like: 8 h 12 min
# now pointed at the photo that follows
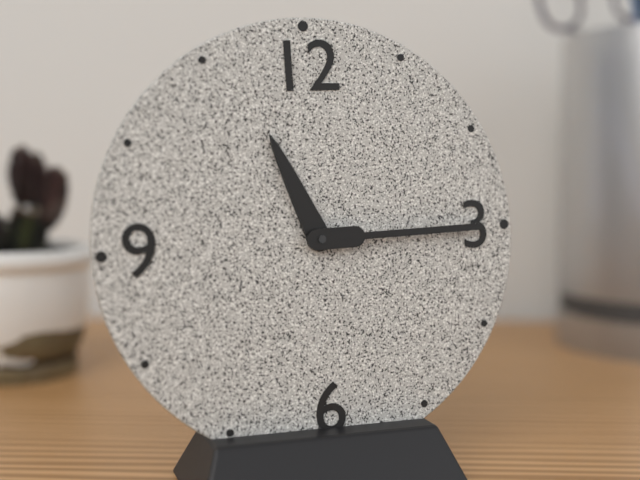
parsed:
11 h 15 min
